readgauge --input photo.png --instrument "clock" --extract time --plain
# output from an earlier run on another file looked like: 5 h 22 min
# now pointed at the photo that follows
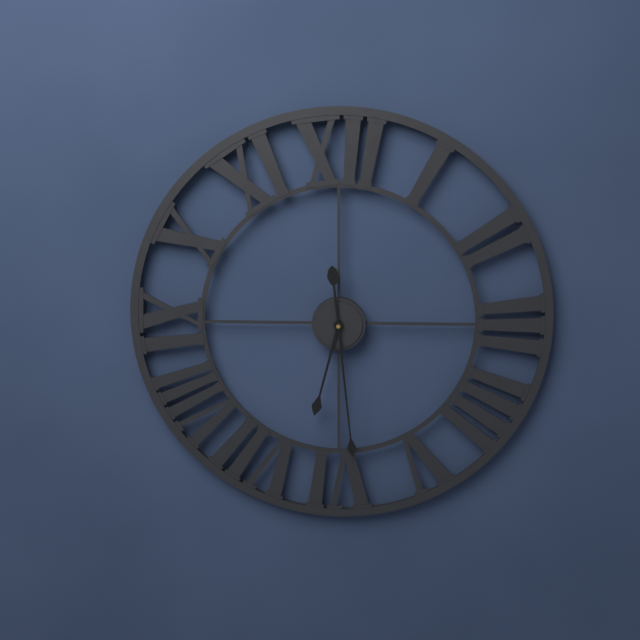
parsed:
6 h 29 min
